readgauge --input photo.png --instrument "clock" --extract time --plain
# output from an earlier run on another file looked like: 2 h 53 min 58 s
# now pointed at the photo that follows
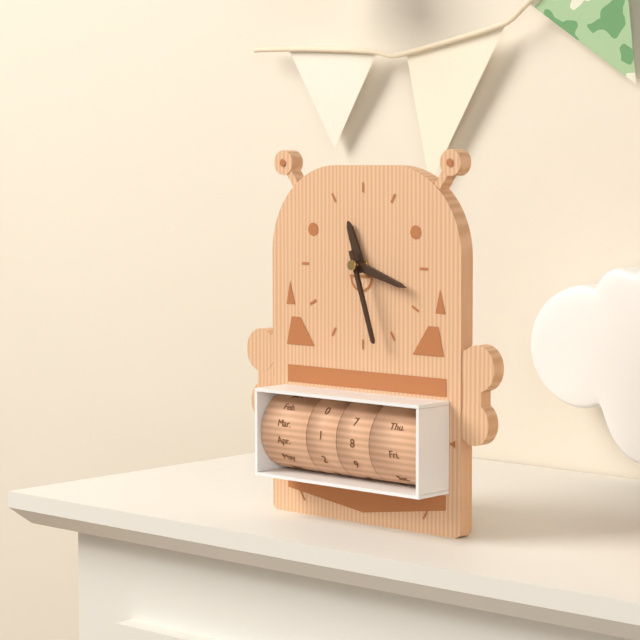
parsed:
11 h 18 min 27 s
